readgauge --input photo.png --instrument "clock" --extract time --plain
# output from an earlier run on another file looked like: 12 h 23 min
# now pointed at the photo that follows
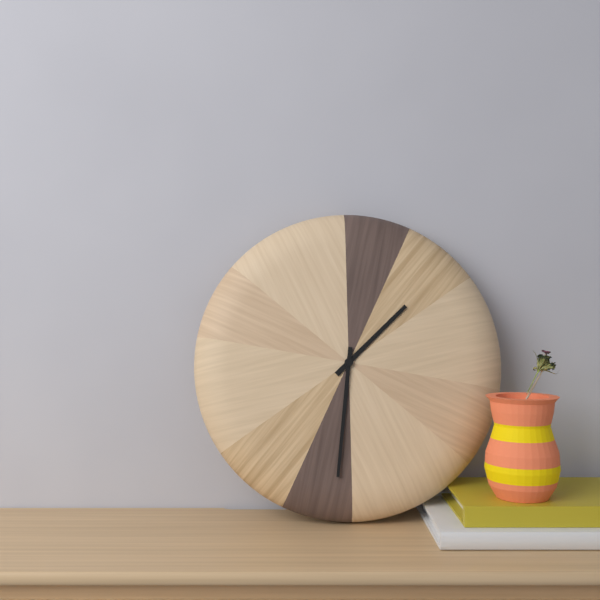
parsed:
1 h 31 min
